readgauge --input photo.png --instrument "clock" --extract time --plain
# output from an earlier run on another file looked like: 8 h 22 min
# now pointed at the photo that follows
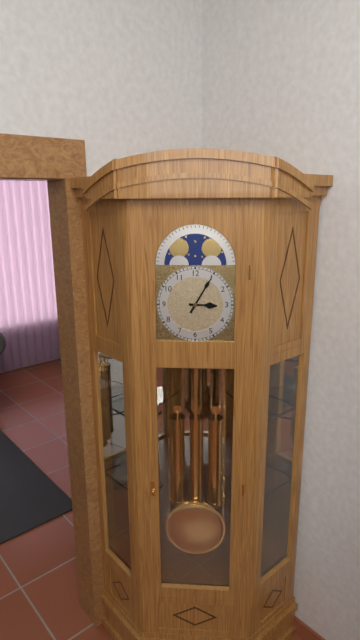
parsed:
3 h 05 min
